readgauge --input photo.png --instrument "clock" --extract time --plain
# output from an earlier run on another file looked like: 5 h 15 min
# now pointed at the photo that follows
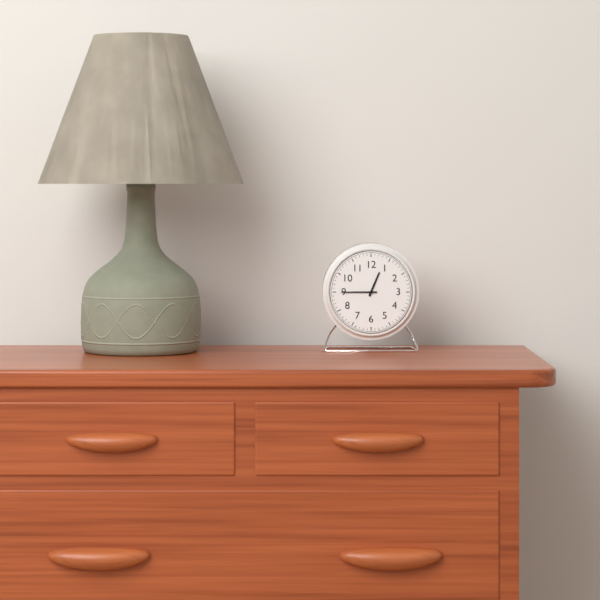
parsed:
12 h 45 min
